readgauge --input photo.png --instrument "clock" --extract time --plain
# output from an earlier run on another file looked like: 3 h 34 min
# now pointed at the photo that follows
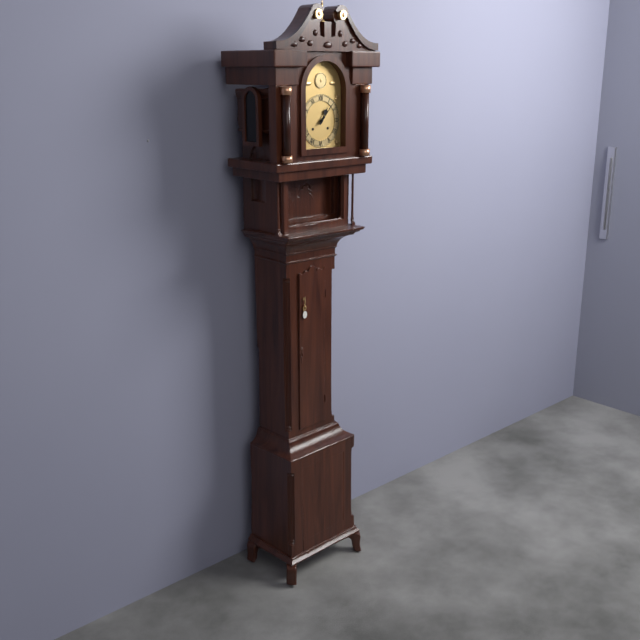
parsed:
1 h 07 min
